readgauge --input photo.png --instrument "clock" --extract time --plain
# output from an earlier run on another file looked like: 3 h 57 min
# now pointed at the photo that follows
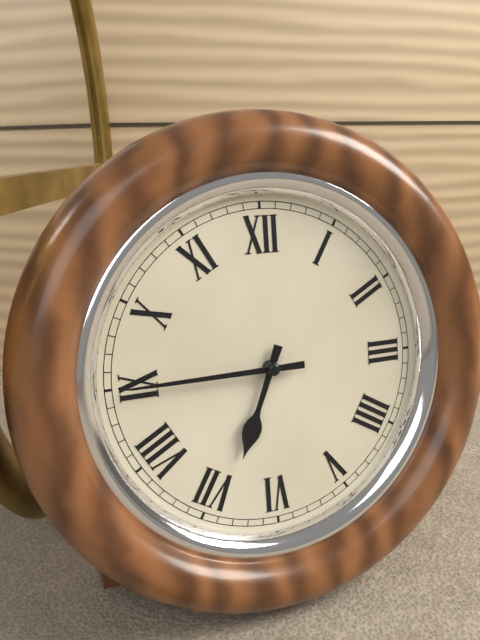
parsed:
6 h 45 min
